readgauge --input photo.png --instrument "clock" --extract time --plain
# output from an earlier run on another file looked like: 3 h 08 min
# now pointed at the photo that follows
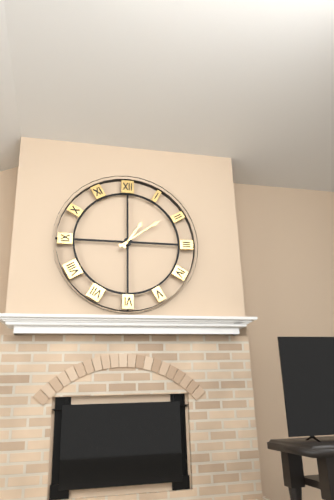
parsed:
1 h 09 min
